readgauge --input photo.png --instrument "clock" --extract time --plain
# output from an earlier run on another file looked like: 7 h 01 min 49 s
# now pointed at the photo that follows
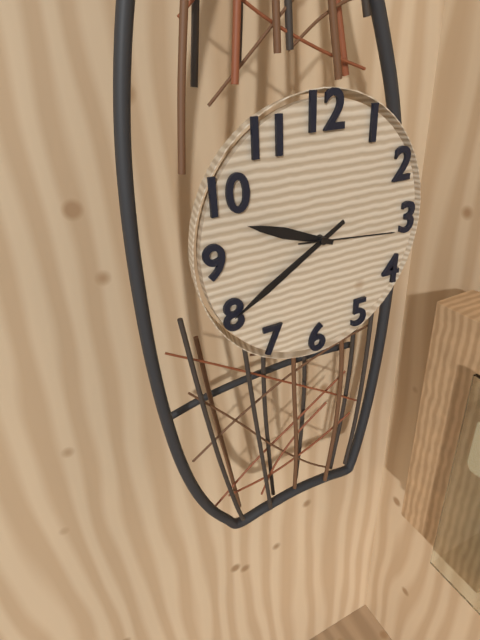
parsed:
9 h 40 min 16 s
